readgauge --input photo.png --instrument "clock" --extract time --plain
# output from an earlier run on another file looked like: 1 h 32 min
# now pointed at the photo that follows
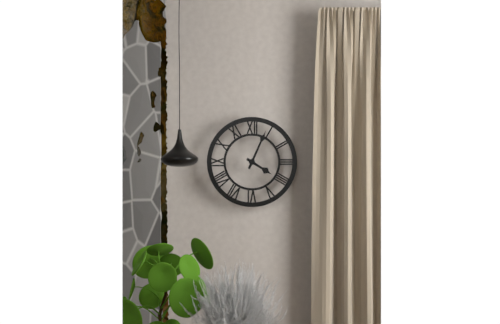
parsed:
4 h 04 min
